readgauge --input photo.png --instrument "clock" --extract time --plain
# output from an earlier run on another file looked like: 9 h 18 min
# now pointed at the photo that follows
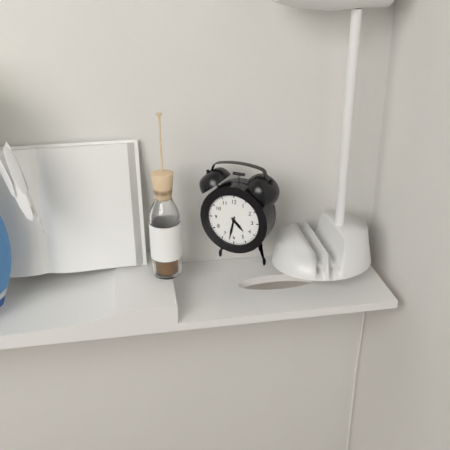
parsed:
4 h 32 min
